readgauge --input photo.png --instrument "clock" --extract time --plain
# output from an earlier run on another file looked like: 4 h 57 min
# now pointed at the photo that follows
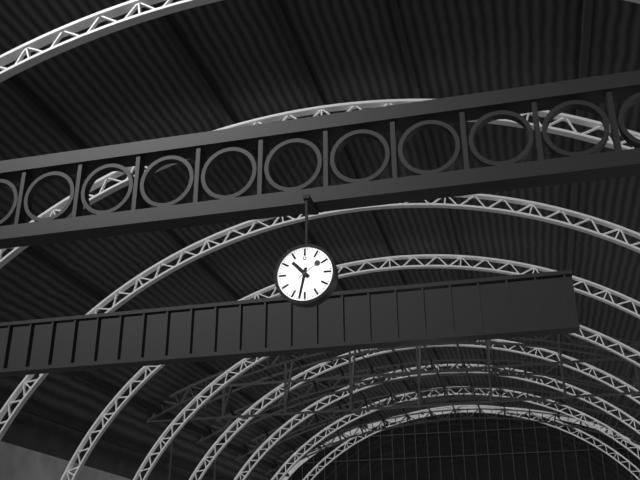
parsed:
10 h 32 min
